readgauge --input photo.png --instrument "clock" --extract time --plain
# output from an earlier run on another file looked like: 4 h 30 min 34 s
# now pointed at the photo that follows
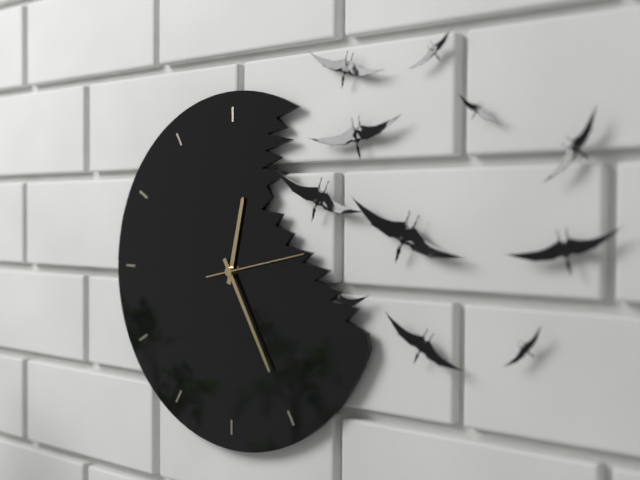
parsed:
12 h 25 min 13 s
